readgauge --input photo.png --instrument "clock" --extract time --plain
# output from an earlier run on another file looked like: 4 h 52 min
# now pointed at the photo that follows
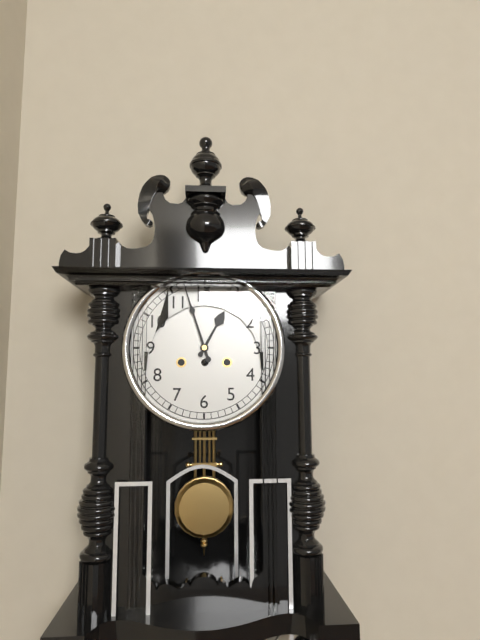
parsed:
12 h 57 min
